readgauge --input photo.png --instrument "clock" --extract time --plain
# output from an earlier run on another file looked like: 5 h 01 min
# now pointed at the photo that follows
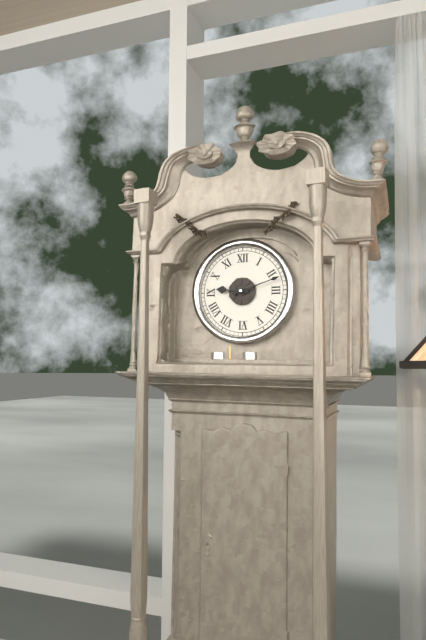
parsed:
9 h 12 min
